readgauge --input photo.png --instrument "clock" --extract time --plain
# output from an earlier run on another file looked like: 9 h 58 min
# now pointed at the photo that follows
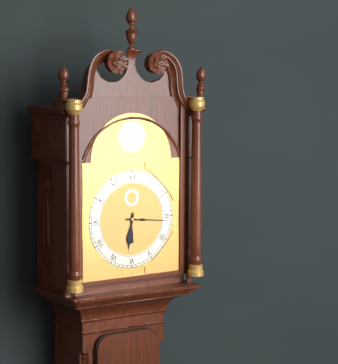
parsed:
6 h 16 min
